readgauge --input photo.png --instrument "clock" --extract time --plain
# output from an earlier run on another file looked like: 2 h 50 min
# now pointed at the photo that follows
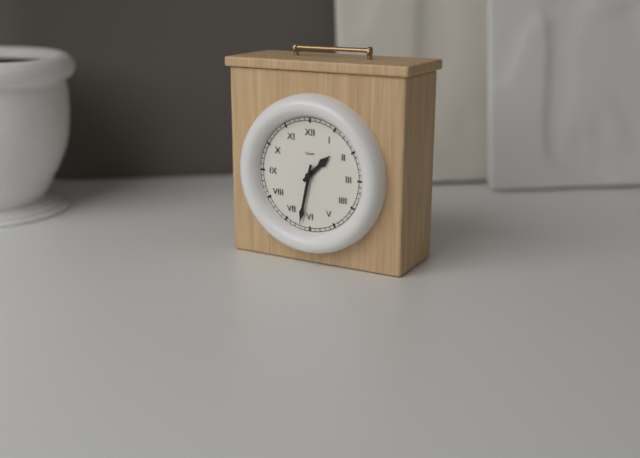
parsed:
1 h 32 min
